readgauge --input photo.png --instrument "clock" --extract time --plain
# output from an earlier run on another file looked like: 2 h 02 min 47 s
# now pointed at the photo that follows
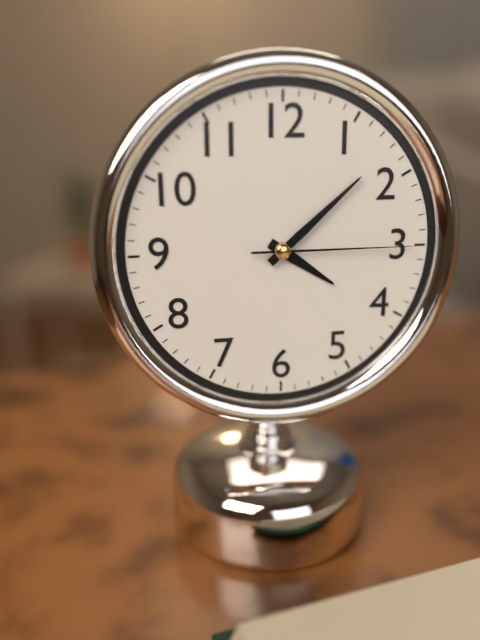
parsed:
4 h 08 min 15 s
